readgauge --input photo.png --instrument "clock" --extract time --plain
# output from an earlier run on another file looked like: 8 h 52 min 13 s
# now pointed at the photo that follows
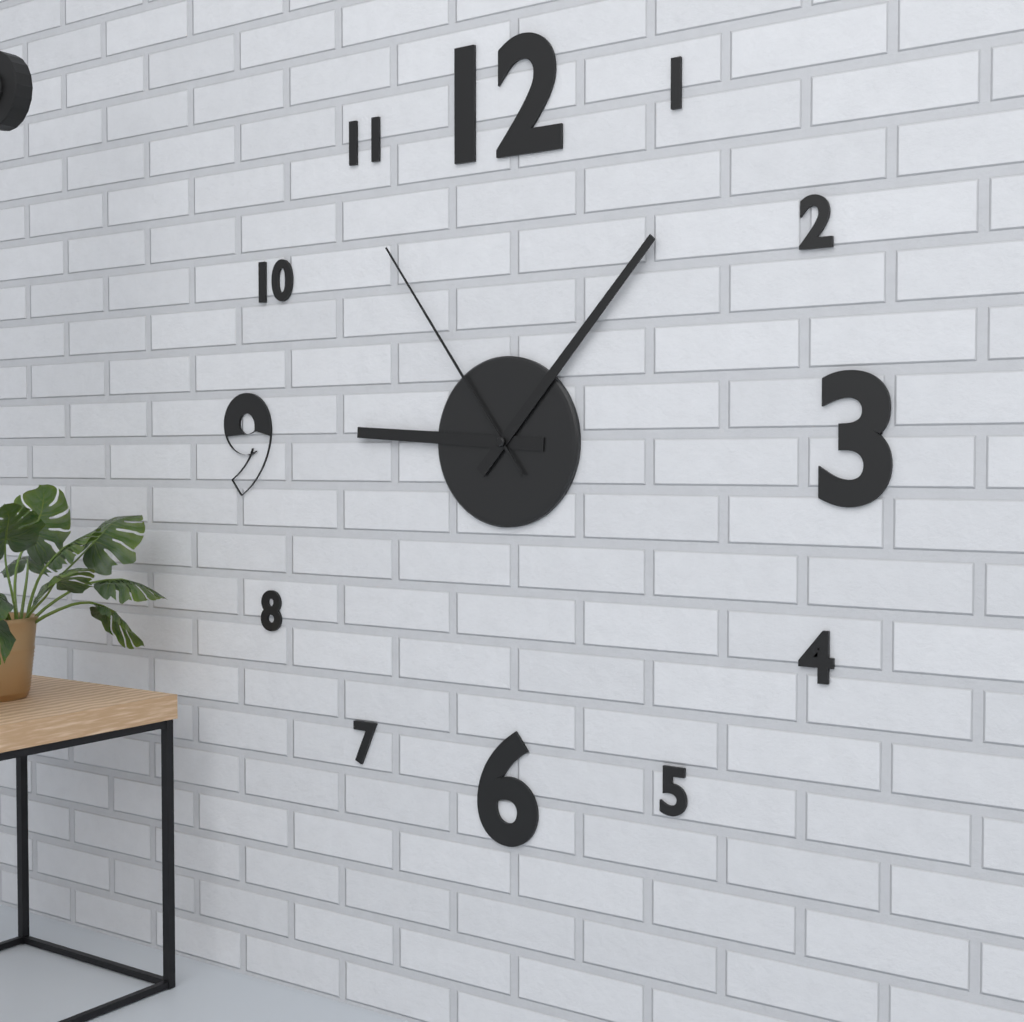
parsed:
9 h 07 min 54 s
